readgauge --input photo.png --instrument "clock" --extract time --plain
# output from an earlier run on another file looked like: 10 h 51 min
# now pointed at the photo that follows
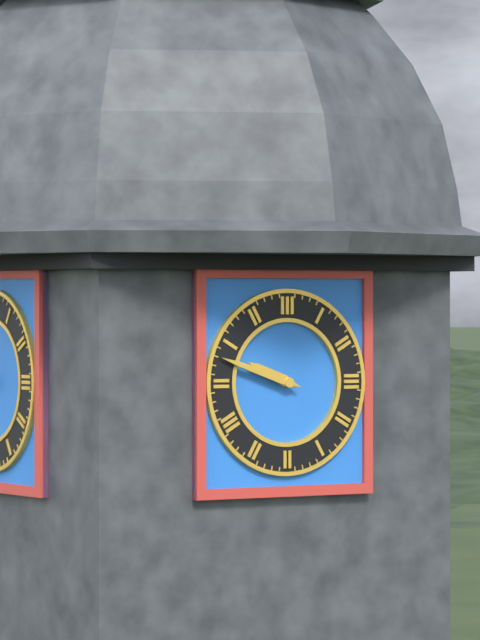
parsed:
9 h 48 min
